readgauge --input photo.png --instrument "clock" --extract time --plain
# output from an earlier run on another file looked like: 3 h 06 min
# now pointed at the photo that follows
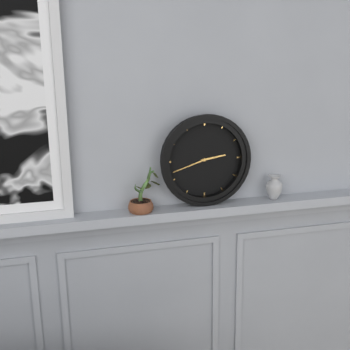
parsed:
2 h 42 min
